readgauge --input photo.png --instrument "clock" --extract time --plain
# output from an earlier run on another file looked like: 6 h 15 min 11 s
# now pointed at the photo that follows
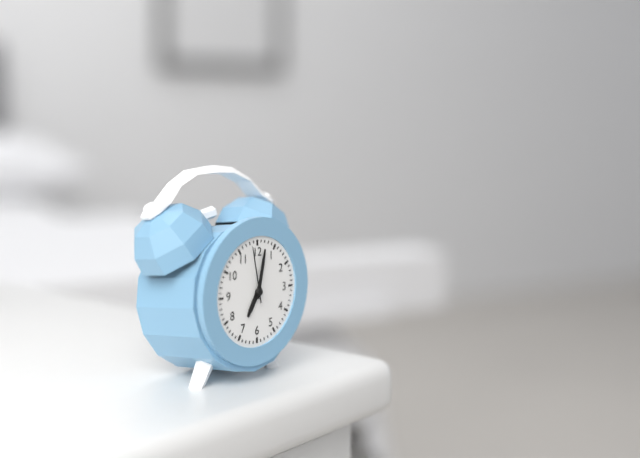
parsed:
7 h 02 min 58 s
